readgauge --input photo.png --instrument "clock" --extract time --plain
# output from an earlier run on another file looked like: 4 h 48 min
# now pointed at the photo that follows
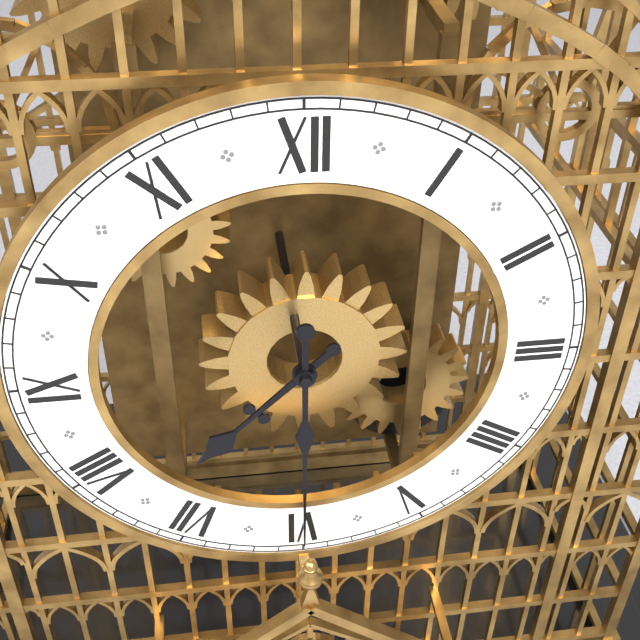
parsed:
7 h 30 min
